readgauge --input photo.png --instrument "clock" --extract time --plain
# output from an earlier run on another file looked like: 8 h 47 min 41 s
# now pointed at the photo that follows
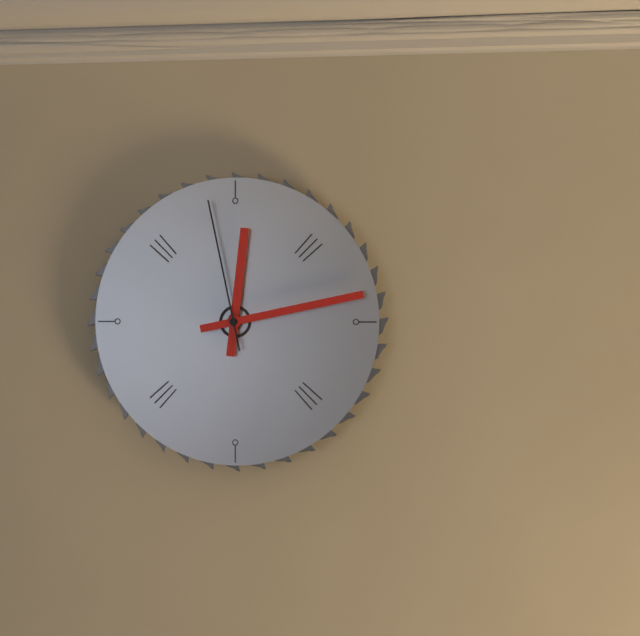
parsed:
12 h 13 min 58 s
